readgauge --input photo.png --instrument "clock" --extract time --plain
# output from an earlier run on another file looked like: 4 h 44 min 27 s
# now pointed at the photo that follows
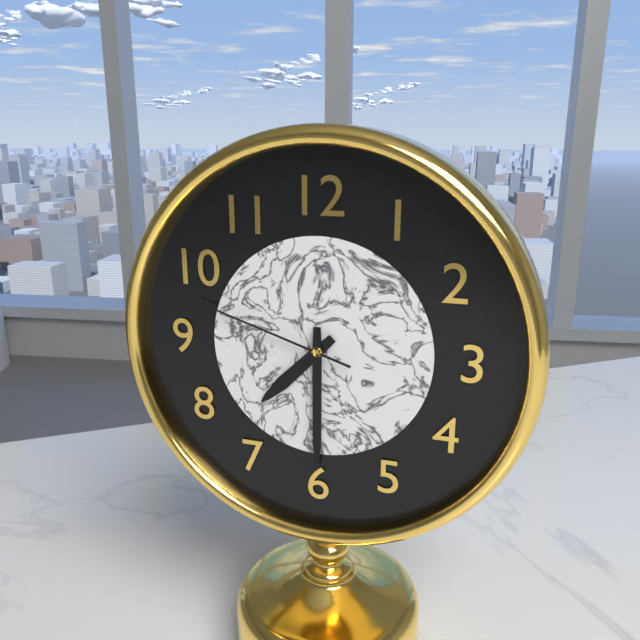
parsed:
7 h 30 min 48 s
